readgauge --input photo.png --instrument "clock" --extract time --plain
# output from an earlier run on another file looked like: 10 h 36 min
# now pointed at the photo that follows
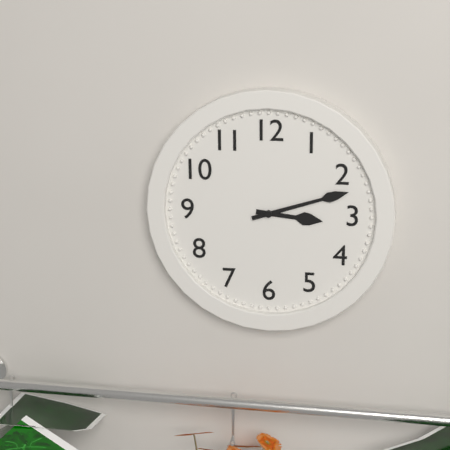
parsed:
3 h 12 min
